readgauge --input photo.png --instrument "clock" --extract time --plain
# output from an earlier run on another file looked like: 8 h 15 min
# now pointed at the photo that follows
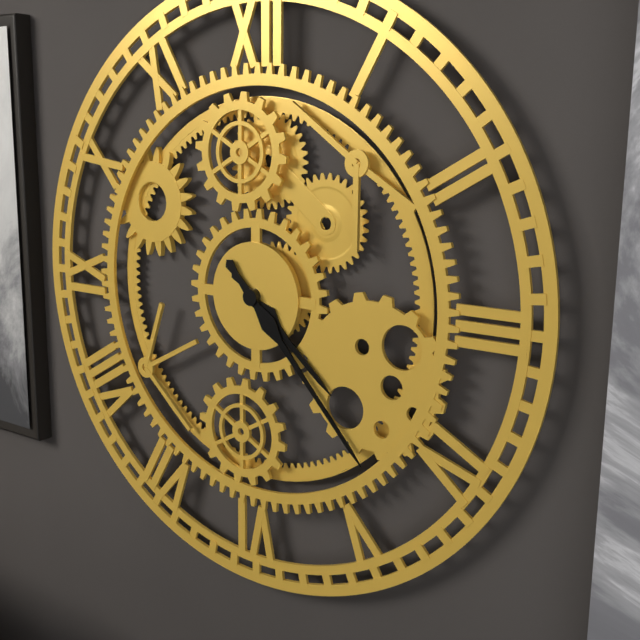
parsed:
4 h 23 min
